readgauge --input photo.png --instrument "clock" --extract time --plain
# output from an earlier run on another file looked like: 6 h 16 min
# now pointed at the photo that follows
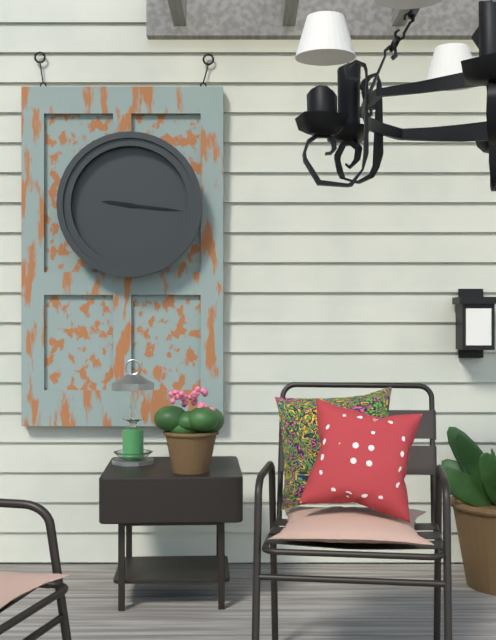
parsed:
9 h 16 min
